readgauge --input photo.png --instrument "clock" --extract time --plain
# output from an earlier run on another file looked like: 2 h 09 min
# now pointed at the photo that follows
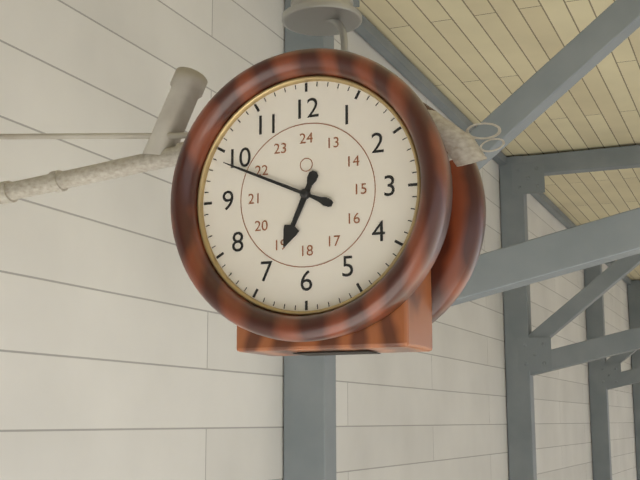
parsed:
6 h 49 min
